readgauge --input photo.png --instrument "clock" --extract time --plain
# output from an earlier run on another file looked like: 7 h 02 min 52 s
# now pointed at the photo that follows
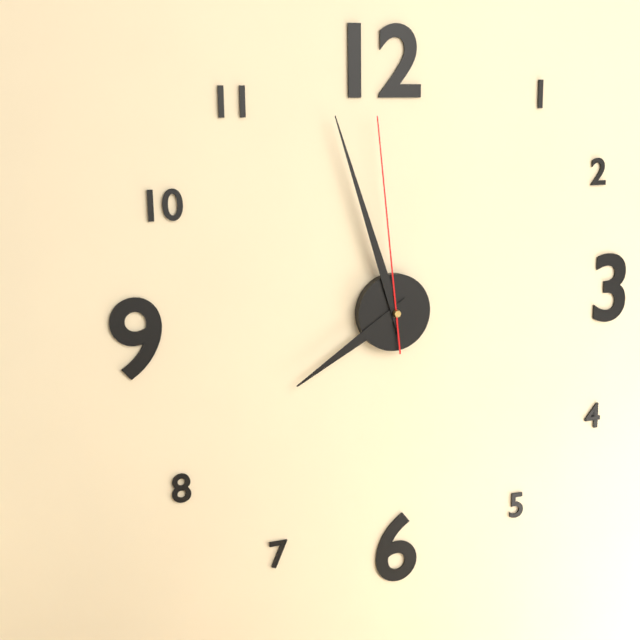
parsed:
7 h 57 min 59 s
